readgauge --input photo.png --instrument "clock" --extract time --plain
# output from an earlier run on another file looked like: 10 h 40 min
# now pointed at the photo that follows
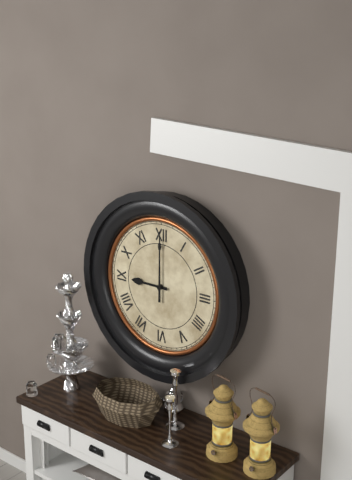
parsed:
9 h 00 min
